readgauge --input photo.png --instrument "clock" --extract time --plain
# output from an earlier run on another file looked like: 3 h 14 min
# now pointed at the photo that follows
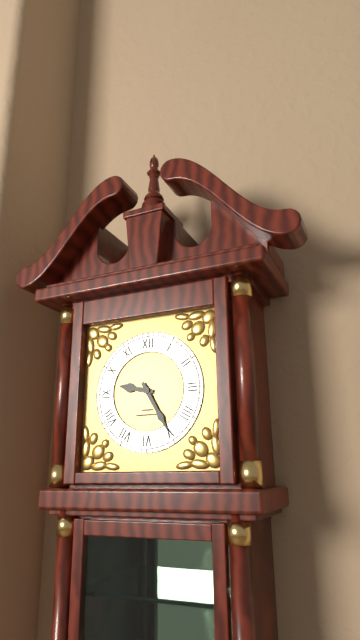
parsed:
9 h 25 min
